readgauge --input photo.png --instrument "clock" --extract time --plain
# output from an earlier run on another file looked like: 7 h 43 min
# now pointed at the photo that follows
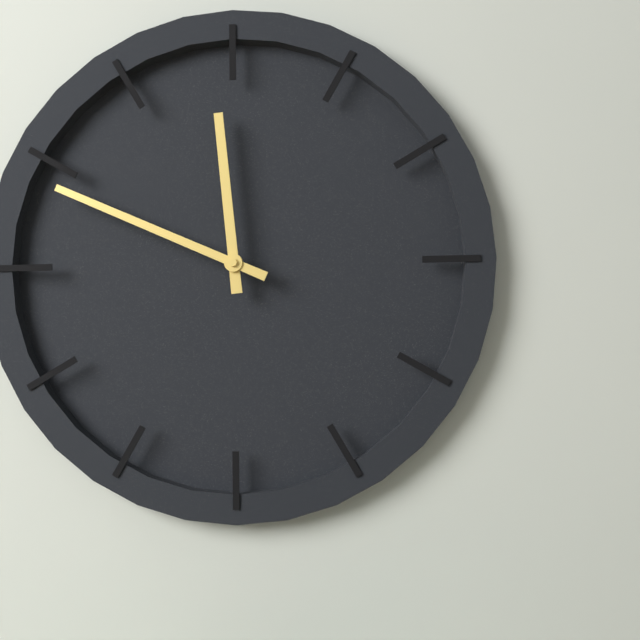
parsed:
11 h 49 min
